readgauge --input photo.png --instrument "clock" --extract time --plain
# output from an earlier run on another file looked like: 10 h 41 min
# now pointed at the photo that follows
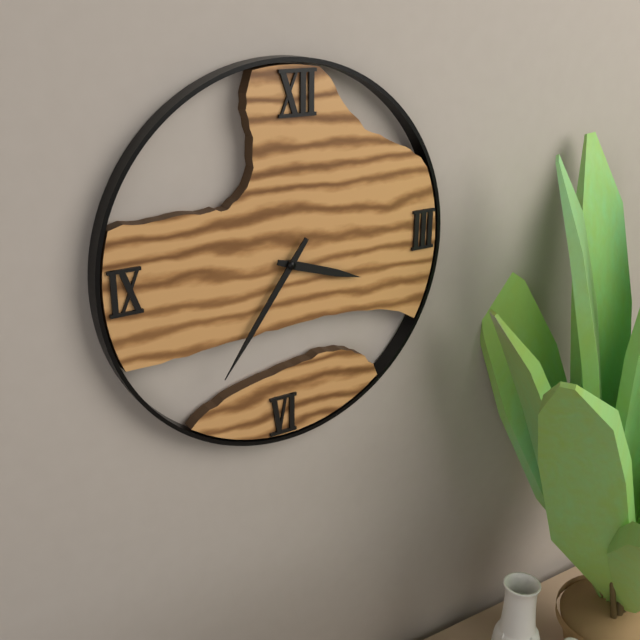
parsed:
3 h 36 min
